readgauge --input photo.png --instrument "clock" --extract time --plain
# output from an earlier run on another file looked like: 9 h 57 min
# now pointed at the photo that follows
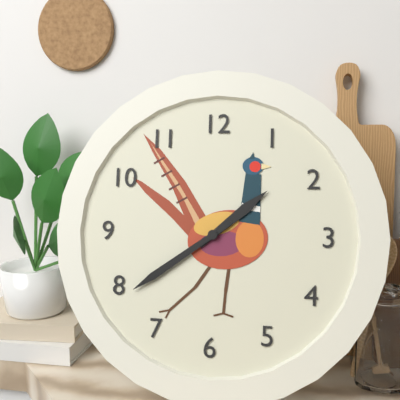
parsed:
1 h 39 min
